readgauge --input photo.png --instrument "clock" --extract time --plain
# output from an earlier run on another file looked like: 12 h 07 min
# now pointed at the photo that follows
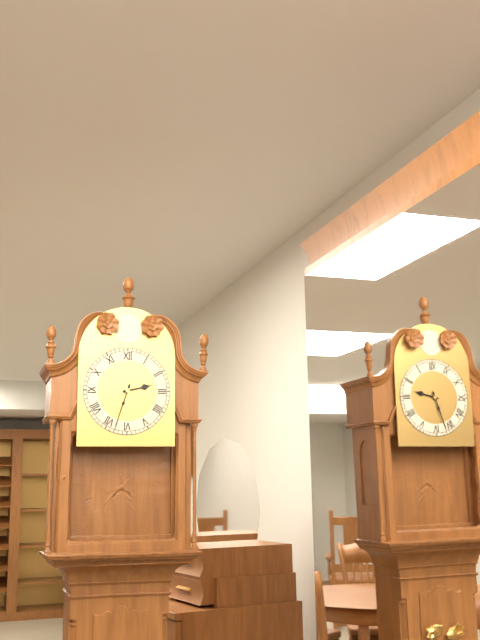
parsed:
2 h 33 min
